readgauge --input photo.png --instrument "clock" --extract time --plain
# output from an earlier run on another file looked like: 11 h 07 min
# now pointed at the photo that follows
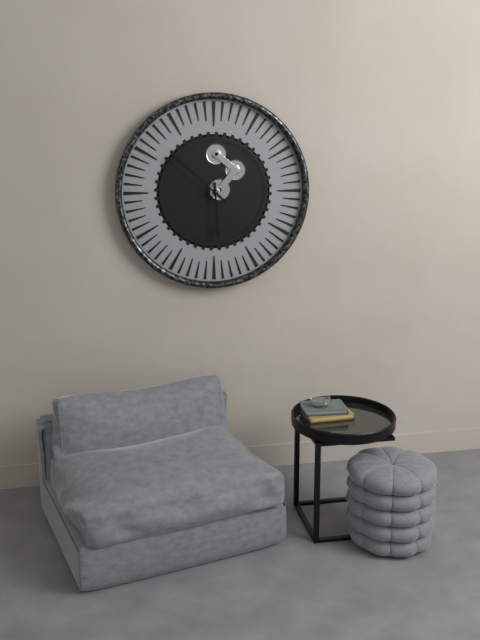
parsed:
5 h 52 min
